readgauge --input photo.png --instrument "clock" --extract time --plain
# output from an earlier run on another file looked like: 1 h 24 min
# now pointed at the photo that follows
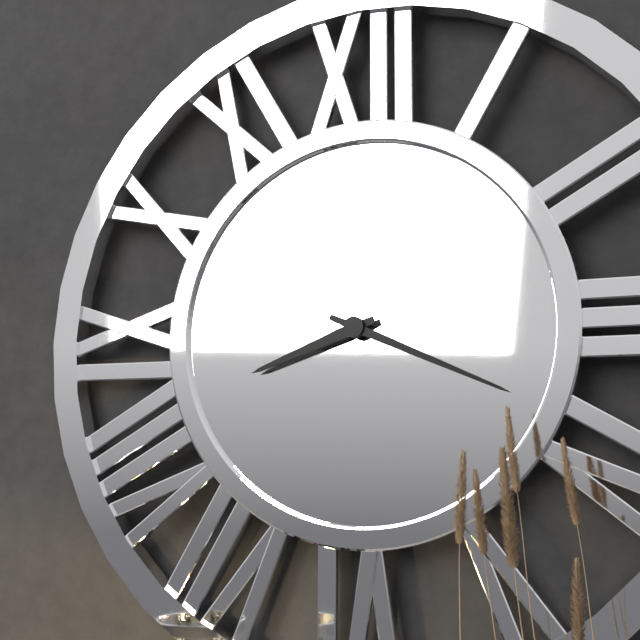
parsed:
8 h 19 min
